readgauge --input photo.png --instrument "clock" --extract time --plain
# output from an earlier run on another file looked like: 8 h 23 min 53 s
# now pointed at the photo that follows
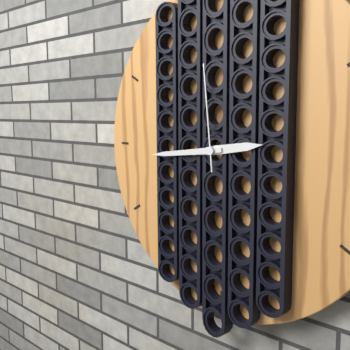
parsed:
2 h 44 min 59 s
